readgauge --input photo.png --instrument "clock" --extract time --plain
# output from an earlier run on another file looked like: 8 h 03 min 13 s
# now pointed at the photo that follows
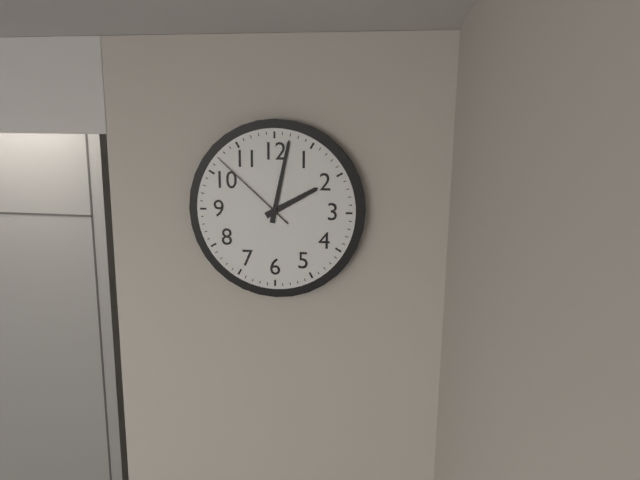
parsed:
2 h 02 min 52 s
